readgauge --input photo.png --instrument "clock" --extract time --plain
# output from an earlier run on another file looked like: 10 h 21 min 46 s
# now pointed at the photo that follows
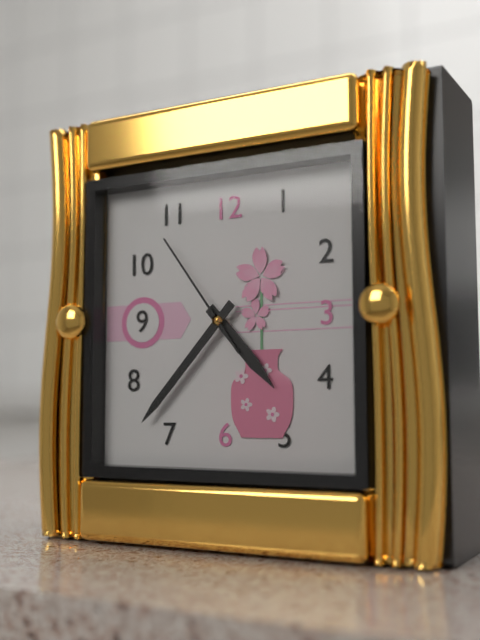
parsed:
4 h 37 min 54 s
